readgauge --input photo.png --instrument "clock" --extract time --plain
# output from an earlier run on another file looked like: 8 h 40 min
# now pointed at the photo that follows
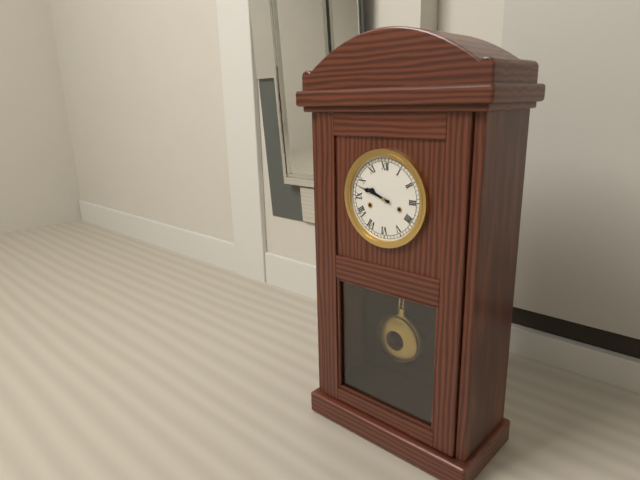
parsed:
9 h 48 min
